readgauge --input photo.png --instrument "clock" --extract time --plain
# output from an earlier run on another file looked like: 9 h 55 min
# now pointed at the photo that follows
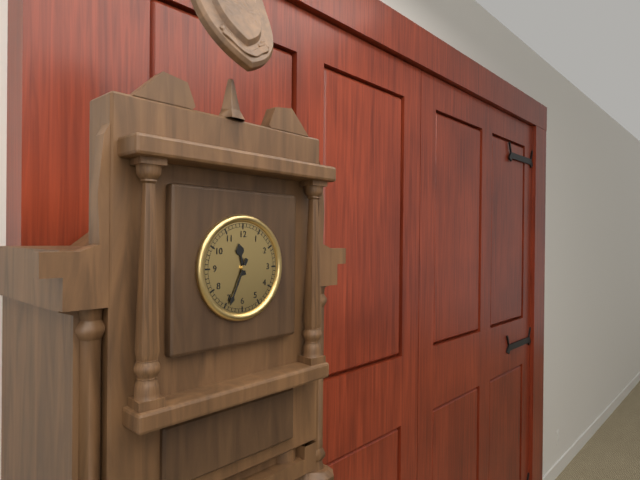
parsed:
11 h 34 min
